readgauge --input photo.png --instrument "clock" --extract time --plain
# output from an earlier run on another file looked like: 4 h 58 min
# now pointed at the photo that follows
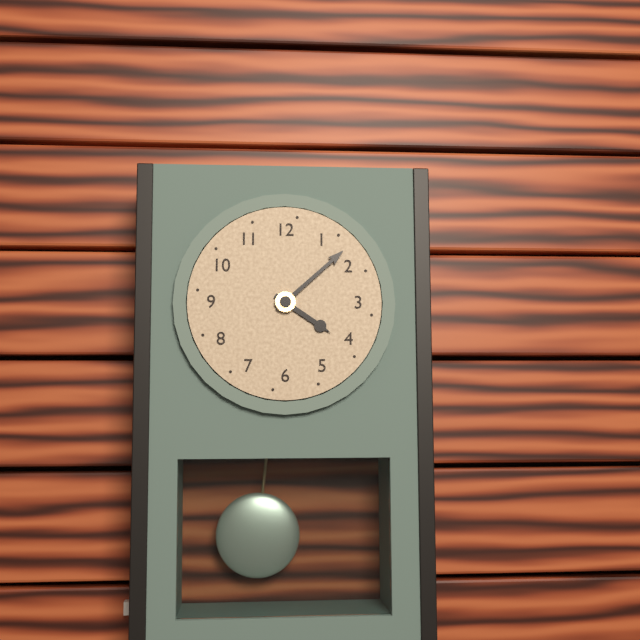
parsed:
4 h 08 min
